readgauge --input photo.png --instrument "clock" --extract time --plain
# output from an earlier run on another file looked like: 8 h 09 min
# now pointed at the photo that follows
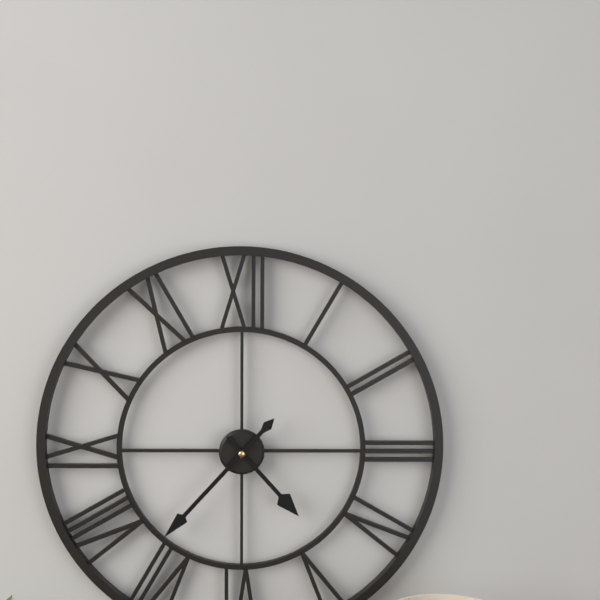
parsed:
4 h 37 min
